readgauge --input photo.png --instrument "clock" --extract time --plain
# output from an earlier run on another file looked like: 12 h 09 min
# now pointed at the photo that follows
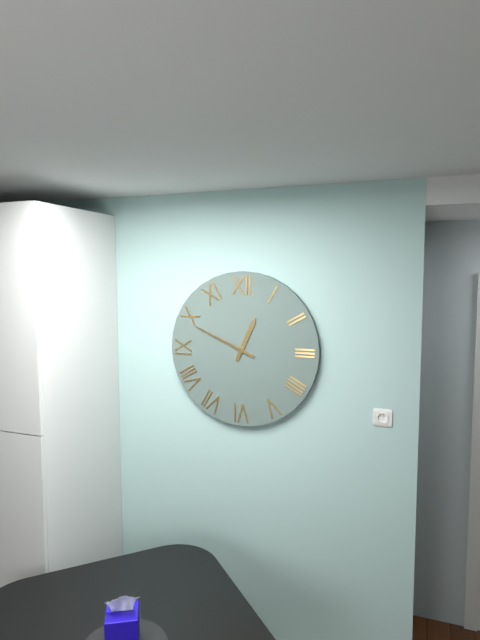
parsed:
12 h 49 min
